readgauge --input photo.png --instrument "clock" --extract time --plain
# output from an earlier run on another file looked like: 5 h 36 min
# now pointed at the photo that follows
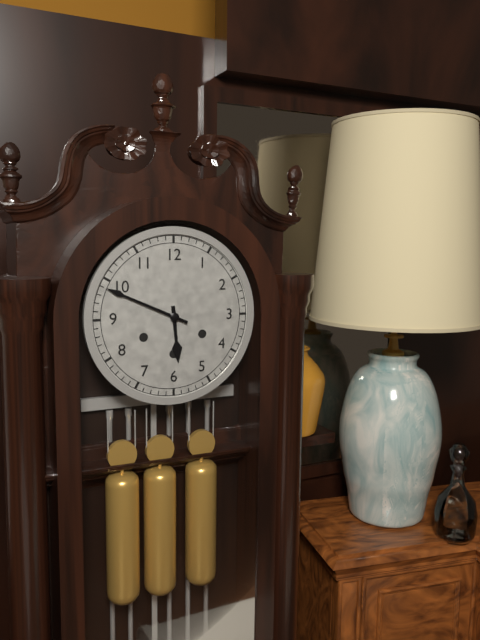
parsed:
5 h 49 min
